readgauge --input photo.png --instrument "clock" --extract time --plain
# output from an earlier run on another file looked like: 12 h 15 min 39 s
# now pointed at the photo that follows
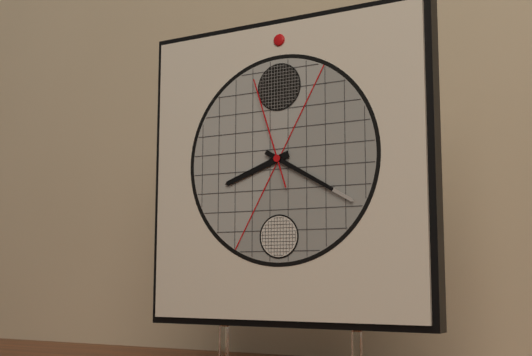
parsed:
8 h 20 min 57 s
